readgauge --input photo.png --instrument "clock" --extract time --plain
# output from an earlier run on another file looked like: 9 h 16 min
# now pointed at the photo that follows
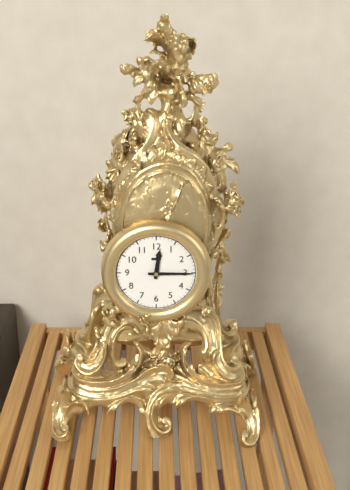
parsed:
12 h 15 min
